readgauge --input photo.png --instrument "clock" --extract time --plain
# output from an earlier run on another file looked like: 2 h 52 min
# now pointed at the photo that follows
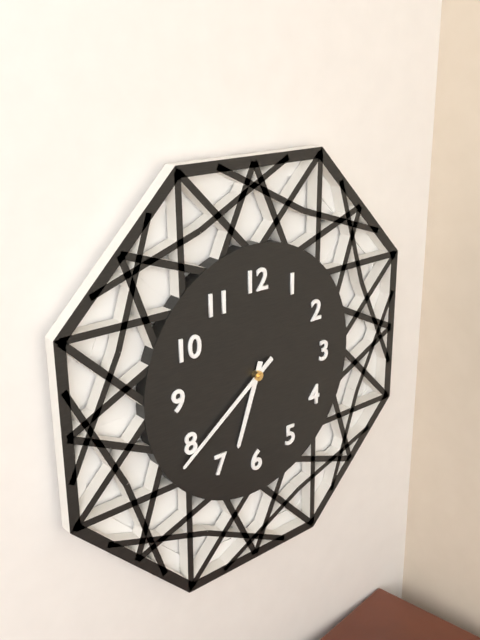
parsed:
6 h 39 min
